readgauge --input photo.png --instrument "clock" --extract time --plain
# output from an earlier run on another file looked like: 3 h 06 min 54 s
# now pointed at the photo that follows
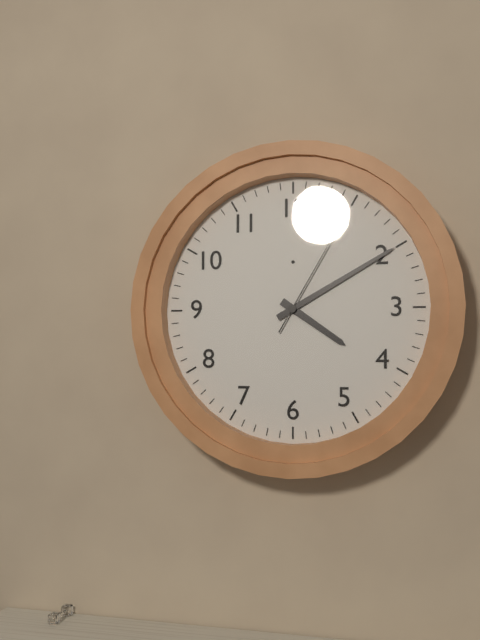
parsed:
4 h 10 min 05 s
